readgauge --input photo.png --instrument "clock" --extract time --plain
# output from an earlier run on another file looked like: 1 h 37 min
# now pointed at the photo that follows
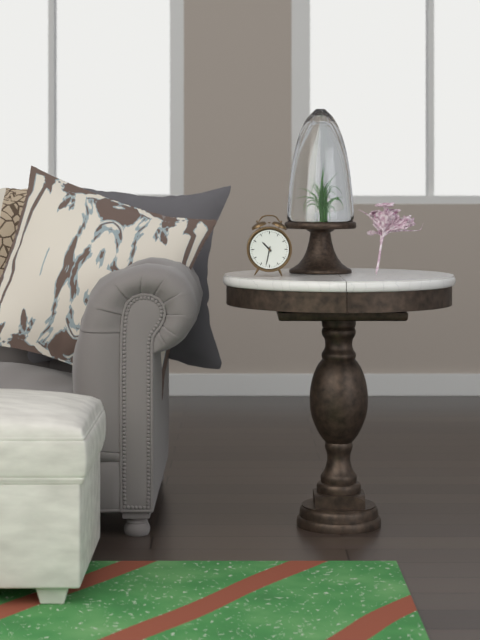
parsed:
10 h 32 min
